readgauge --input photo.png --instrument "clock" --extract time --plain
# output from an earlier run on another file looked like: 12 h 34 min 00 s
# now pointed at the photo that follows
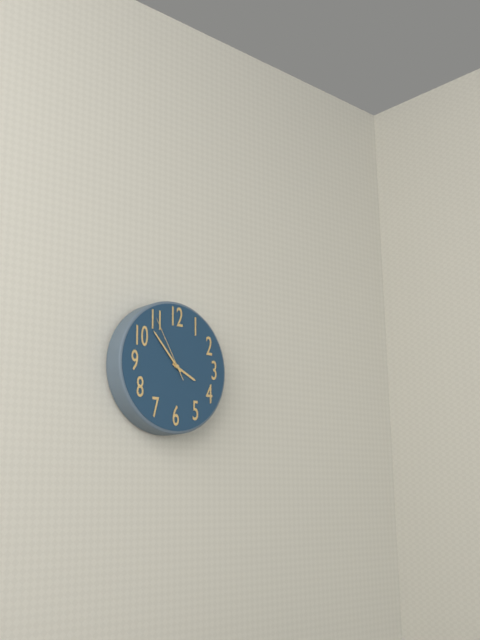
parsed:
3 h 53 min 55 s
